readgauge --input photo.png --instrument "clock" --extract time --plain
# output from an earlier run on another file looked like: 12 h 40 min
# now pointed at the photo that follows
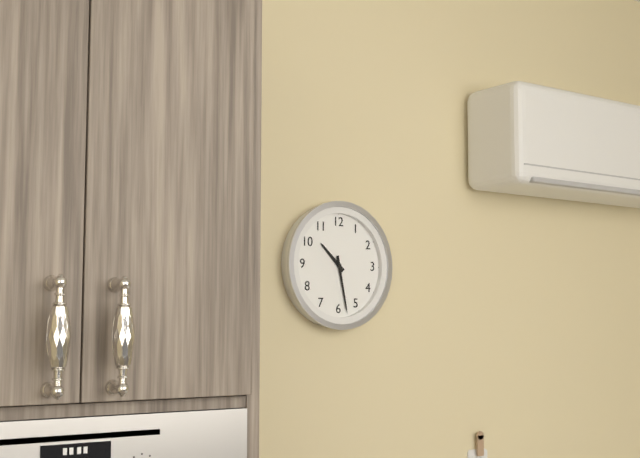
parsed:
10 h 28 min
